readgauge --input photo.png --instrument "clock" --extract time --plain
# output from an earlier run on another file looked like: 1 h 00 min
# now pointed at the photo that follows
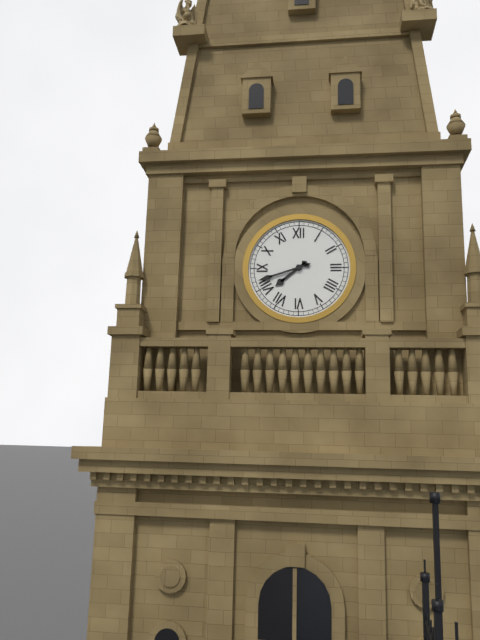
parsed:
7 h 42 min
